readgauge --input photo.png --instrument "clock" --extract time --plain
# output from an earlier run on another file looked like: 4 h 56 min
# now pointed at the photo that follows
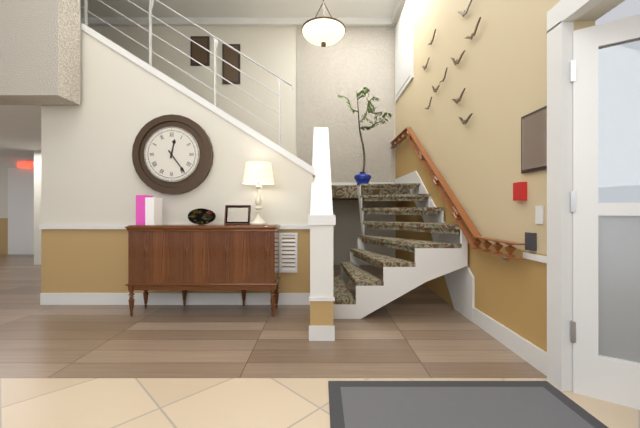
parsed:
12 h 24 min
